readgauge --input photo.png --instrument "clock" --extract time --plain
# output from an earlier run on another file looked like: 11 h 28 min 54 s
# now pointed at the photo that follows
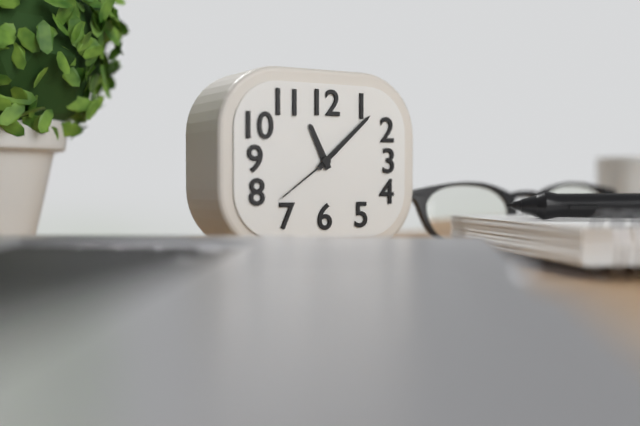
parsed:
11 h 08 min 39 s
